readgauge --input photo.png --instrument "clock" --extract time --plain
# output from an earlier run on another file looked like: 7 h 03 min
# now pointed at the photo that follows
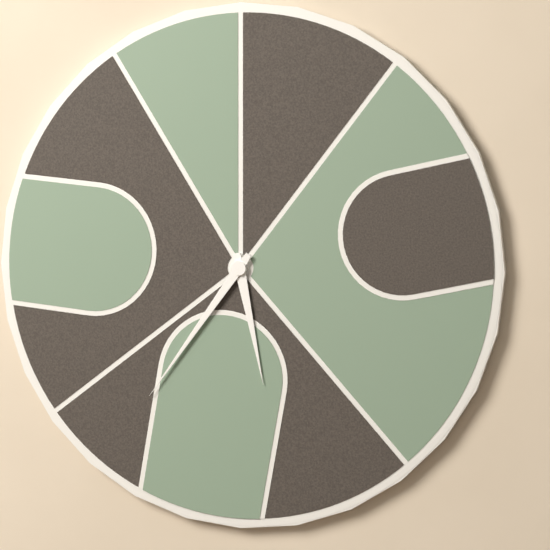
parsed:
5 h 36 min
